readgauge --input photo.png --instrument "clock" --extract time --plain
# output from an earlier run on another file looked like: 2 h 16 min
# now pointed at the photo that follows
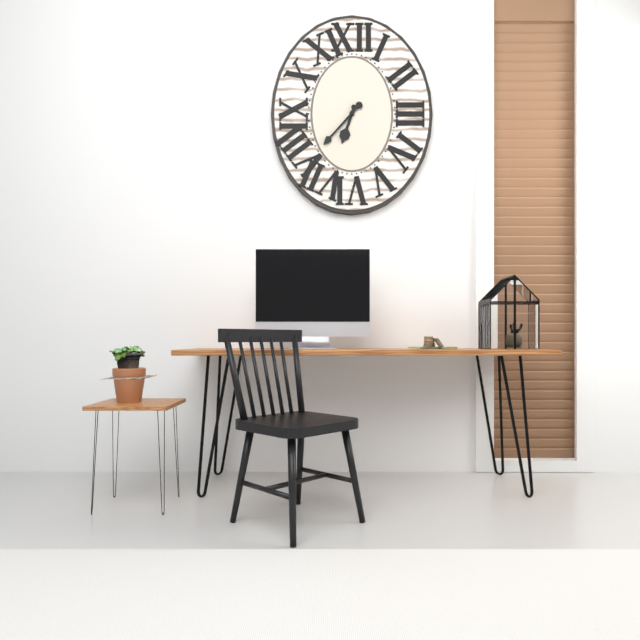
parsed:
6 h 37 min
